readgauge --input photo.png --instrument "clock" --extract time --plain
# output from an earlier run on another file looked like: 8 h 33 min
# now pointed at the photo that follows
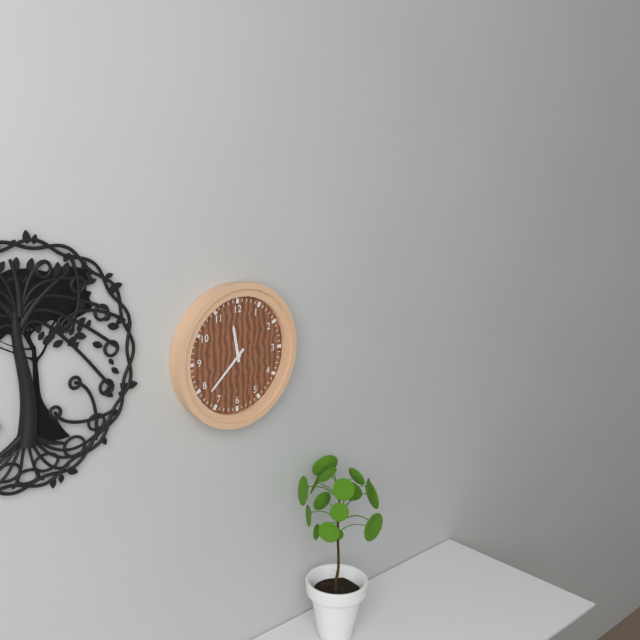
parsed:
11 h 38 min
